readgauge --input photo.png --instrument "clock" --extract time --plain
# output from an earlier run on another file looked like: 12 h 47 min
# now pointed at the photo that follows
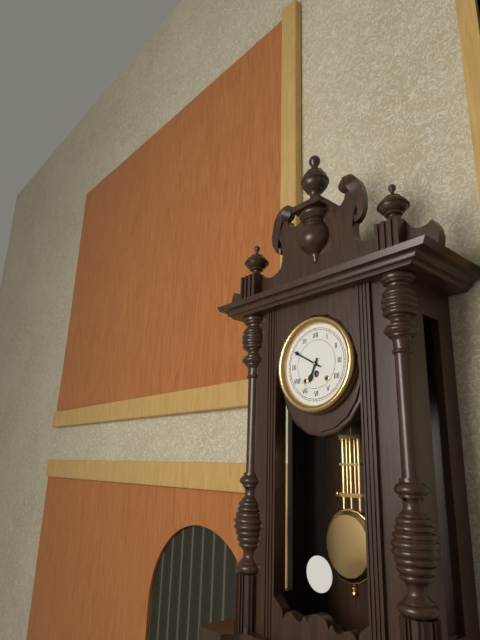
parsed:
6 h 50 min
